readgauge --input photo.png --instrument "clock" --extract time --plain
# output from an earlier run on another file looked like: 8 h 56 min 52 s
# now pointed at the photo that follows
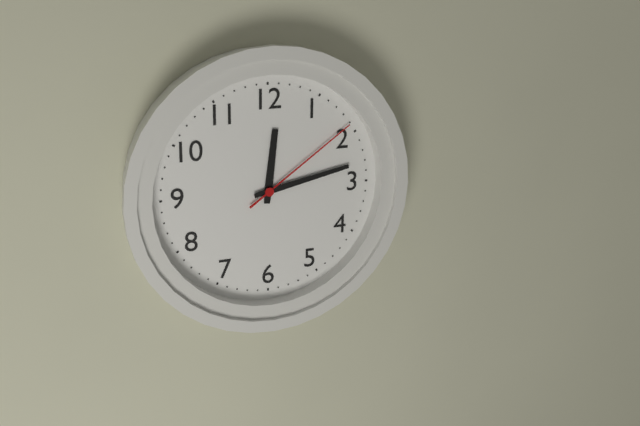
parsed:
12 h 13 min 09 s
